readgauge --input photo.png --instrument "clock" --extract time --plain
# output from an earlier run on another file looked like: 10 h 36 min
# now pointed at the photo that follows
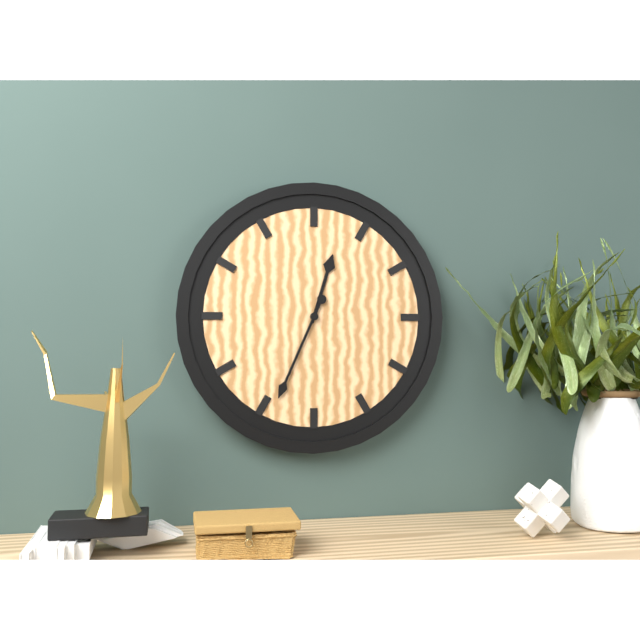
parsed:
12 h 34 min
